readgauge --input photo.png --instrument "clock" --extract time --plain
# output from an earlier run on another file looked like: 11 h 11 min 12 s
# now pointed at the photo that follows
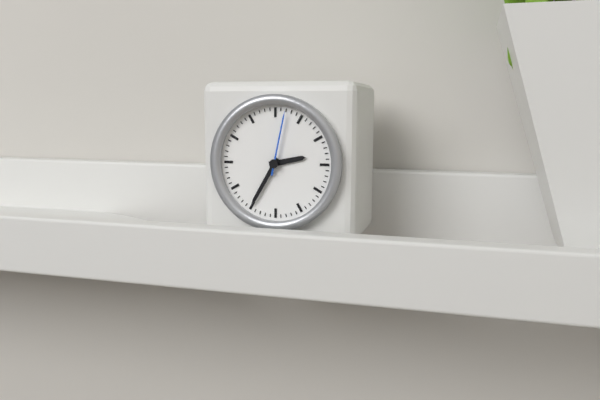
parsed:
2 h 35 min 02 s
